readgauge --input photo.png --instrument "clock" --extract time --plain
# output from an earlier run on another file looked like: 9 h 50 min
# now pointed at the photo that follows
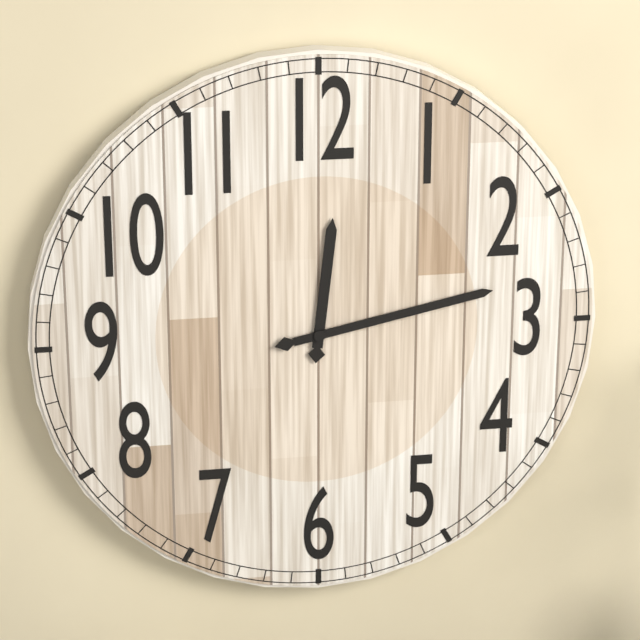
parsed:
12 h 13 min
